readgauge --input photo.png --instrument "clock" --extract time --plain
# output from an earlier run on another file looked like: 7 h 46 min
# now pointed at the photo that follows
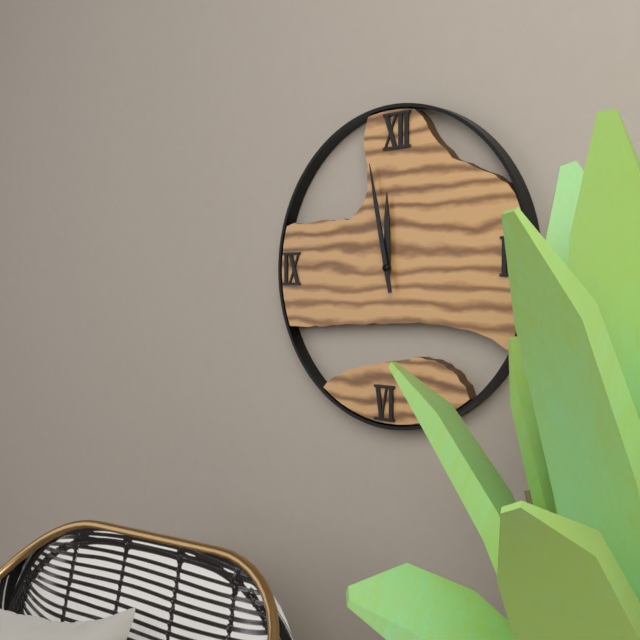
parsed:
11 h 58 min
